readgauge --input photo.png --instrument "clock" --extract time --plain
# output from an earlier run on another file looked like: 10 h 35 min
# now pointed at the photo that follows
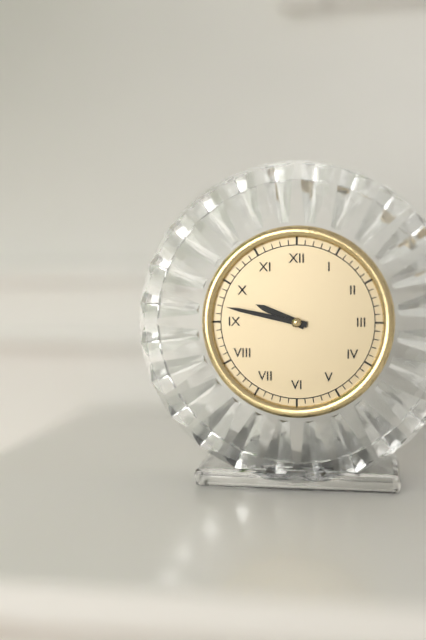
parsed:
9 h 47 min
